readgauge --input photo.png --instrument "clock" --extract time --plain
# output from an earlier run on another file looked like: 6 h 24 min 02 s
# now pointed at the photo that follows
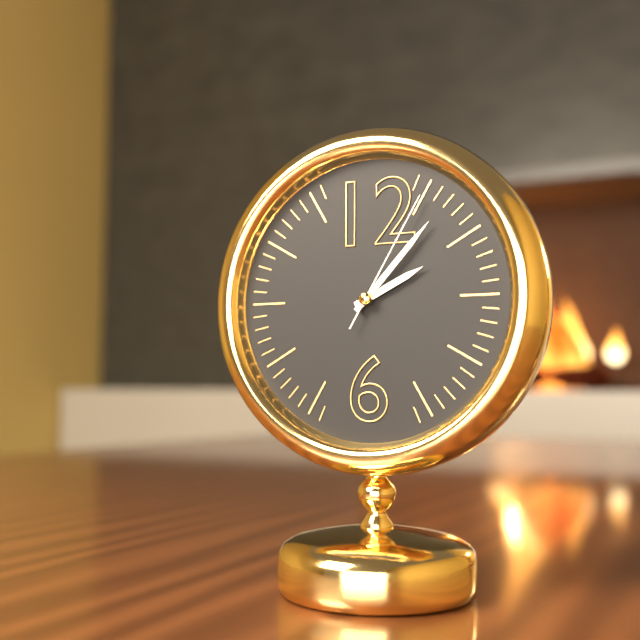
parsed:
2 h 07 min 05 s
